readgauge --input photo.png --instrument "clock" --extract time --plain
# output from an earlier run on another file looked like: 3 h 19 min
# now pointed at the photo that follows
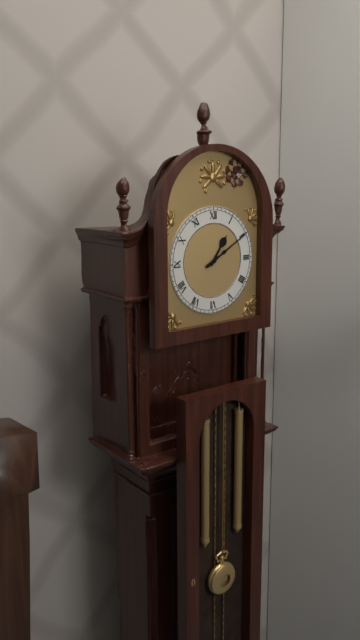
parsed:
1 h 10 min
